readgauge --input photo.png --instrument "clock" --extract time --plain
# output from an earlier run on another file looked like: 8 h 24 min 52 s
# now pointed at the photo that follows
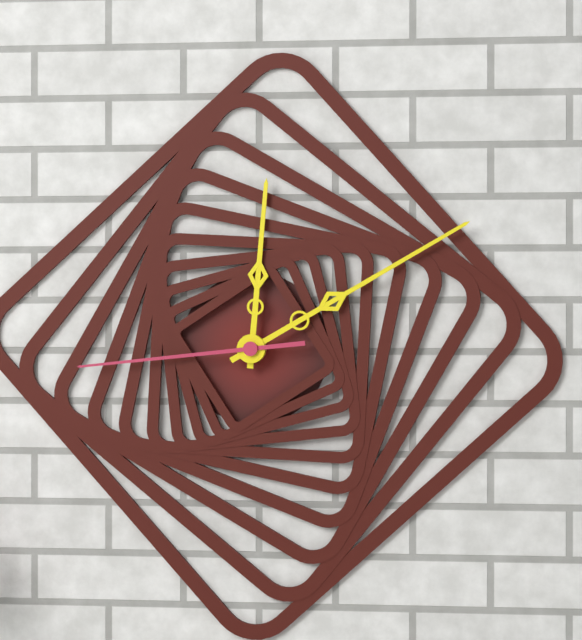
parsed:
12 h 10 min 44 s
